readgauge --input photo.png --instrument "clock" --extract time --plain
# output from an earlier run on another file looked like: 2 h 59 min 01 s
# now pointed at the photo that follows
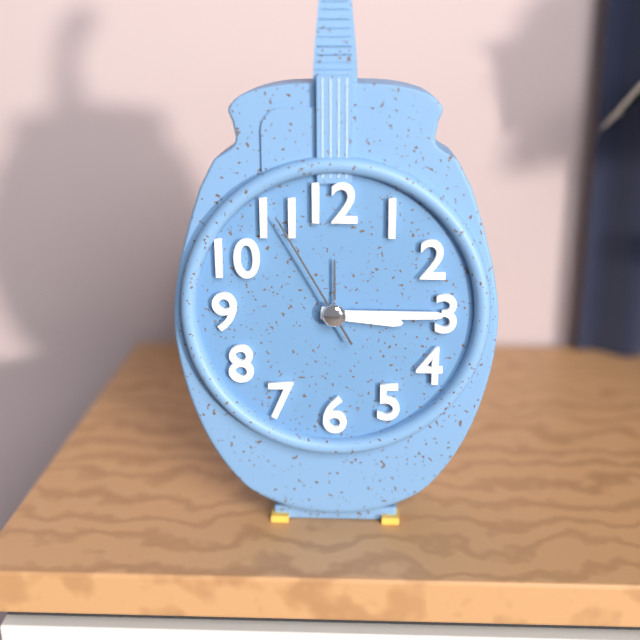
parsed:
3 h 15 min 55 s
